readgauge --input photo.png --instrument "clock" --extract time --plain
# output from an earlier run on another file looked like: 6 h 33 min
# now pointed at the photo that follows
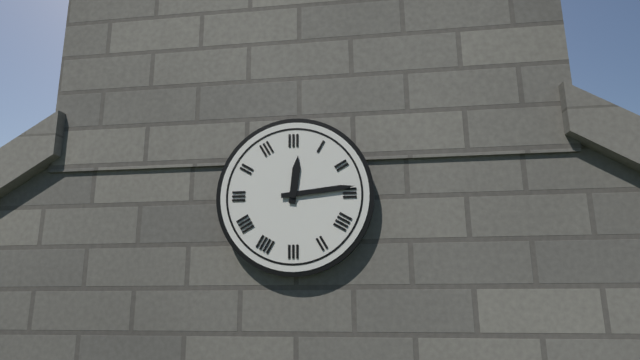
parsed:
12 h 14 min
